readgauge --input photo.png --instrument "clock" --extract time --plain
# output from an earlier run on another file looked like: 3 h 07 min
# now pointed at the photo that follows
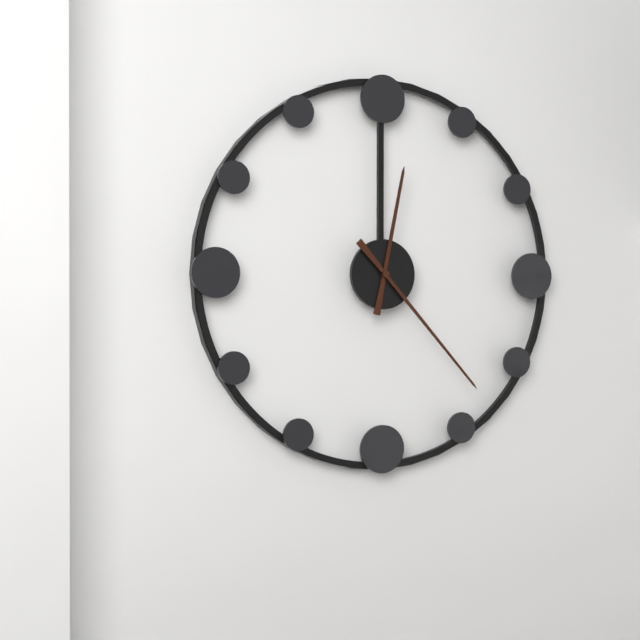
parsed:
12 h 23 min
